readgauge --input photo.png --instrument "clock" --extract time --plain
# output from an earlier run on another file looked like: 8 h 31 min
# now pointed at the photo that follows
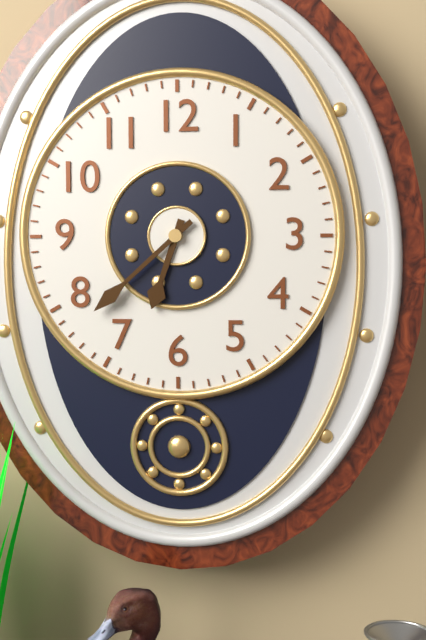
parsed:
6 h 38 min
